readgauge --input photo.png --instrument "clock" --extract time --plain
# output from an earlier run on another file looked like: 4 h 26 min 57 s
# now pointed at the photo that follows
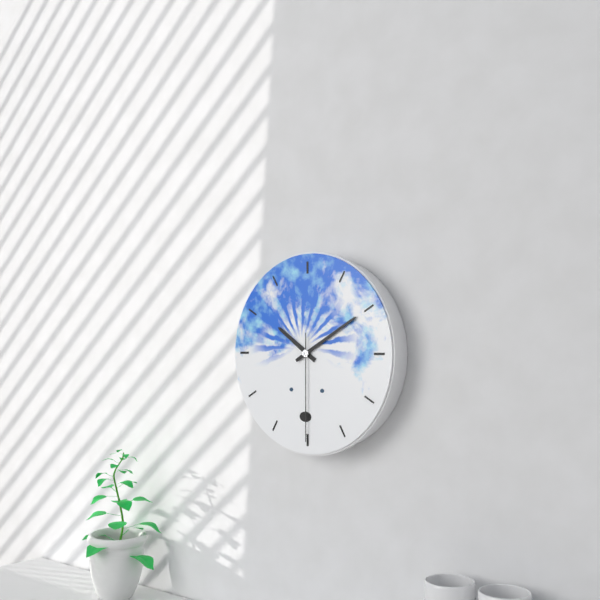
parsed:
10 h 10 min 30 s
